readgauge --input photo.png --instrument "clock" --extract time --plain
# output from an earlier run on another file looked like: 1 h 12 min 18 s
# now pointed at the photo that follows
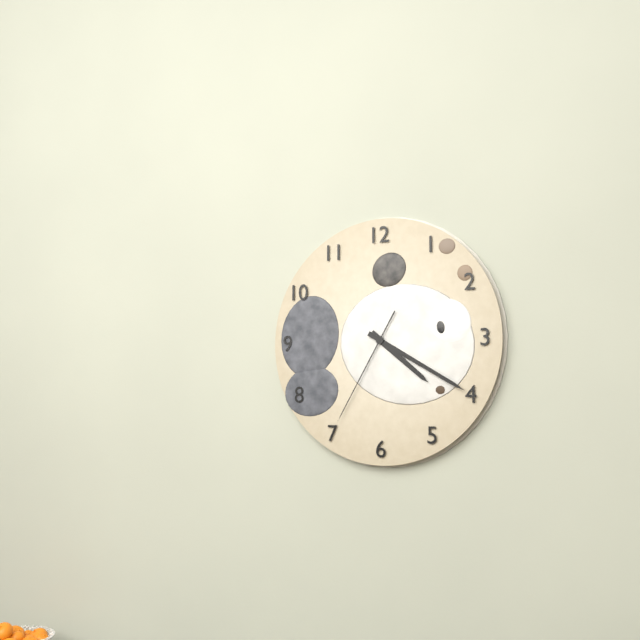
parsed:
4 h 20 min 35 s
